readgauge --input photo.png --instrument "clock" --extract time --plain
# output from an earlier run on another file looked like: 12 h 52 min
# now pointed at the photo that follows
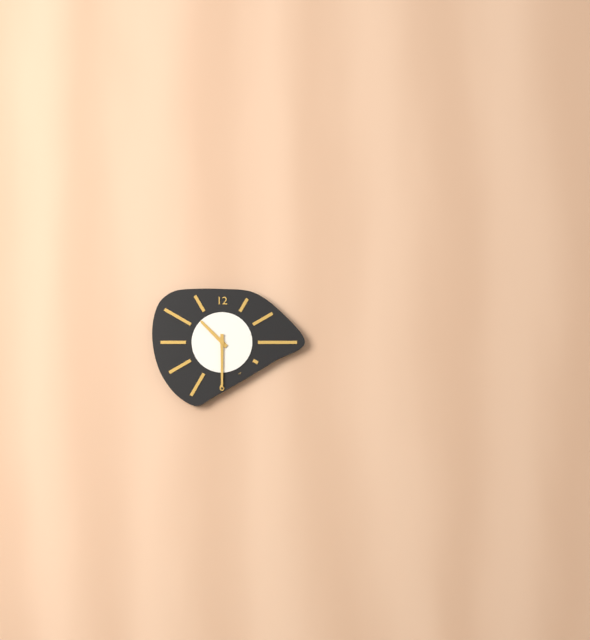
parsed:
10 h 30 min
